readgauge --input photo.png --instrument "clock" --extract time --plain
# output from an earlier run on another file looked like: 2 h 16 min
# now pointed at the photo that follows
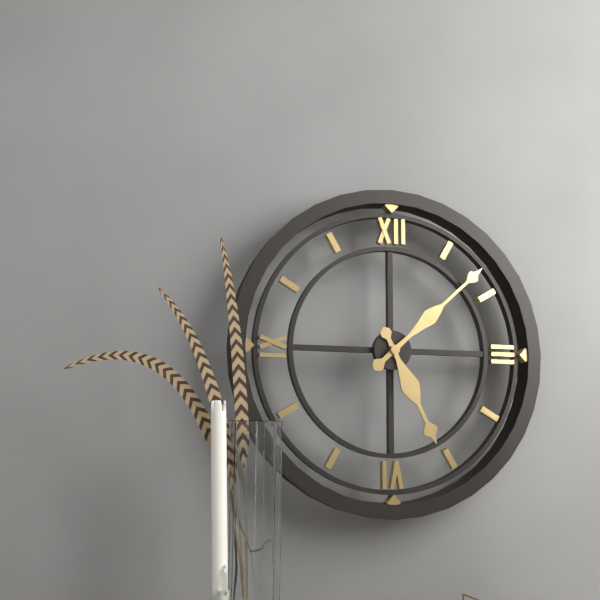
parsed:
5 h 08 min
